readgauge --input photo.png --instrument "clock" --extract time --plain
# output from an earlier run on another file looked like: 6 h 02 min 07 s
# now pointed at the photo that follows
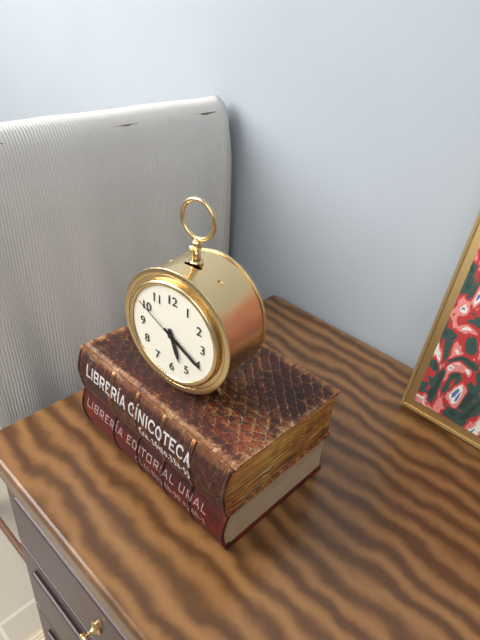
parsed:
5 h 20 min 50 s
